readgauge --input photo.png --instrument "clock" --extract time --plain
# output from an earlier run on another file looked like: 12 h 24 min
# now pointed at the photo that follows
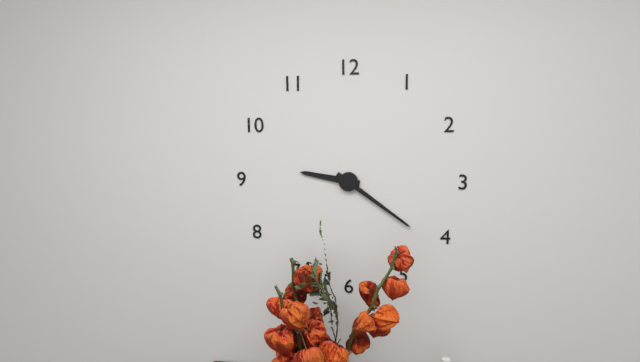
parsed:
9 h 21 min
